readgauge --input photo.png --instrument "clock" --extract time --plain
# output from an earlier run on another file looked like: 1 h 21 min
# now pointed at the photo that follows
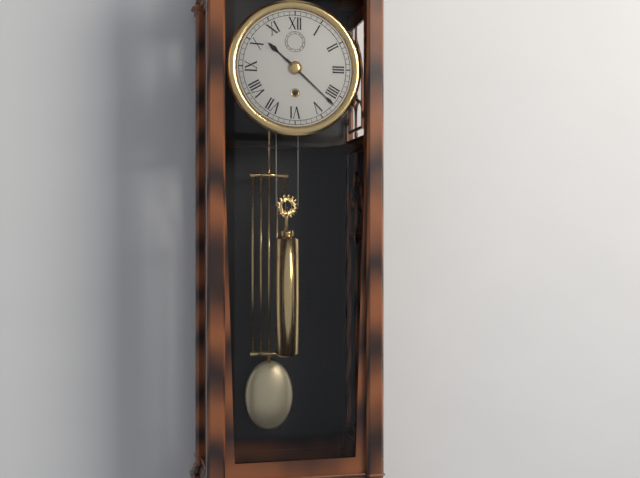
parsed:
10 h 22 min
